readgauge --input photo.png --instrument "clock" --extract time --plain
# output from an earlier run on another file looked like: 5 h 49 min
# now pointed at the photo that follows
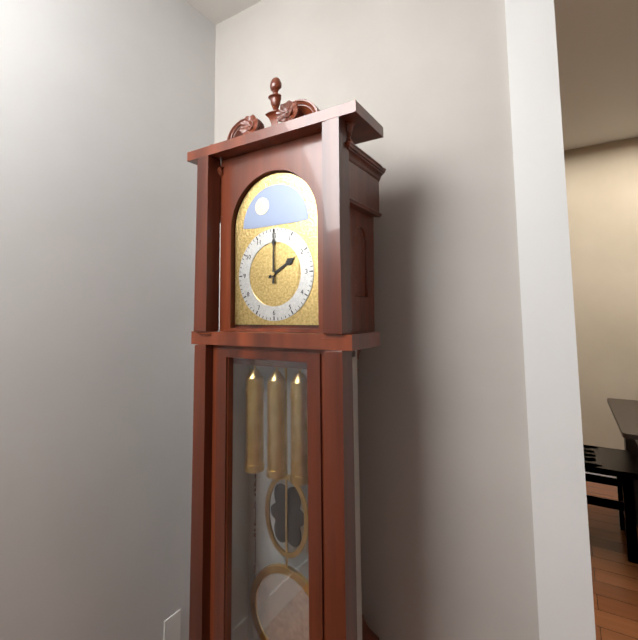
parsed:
2 h 00 min
